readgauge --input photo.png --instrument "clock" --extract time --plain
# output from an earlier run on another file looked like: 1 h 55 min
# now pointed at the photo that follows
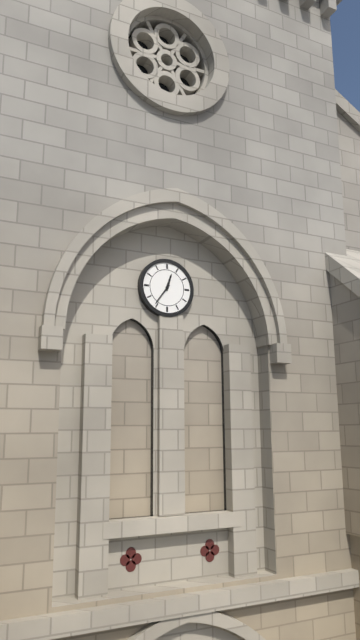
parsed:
12 h 36 min
